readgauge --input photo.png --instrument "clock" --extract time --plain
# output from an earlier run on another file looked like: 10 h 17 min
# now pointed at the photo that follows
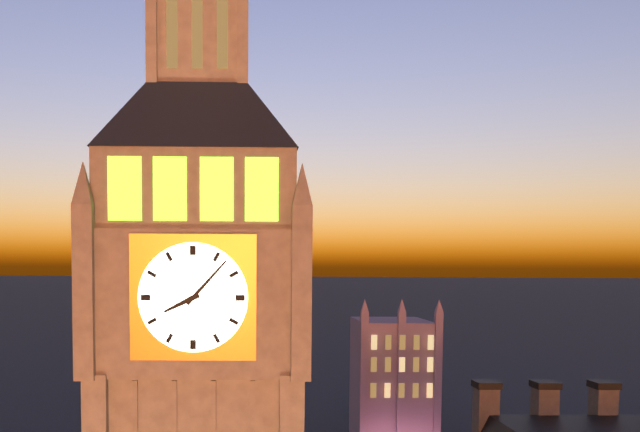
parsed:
8 h 07 min
